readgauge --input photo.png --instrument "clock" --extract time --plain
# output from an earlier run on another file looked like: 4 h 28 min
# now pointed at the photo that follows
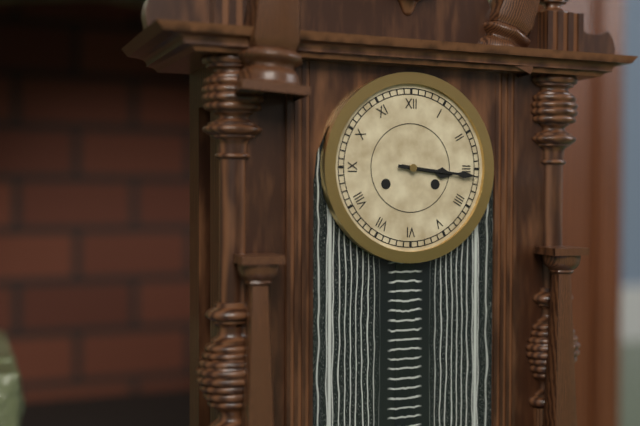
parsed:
3 h 16 min
